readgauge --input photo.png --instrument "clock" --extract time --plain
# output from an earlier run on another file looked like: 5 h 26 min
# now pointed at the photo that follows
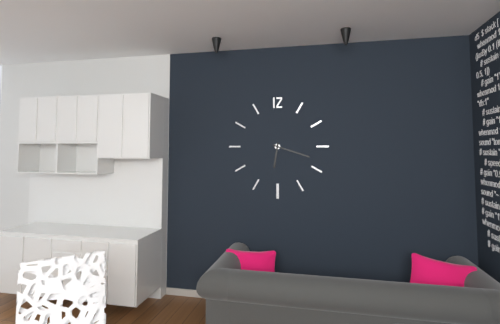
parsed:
6 h 18 min
